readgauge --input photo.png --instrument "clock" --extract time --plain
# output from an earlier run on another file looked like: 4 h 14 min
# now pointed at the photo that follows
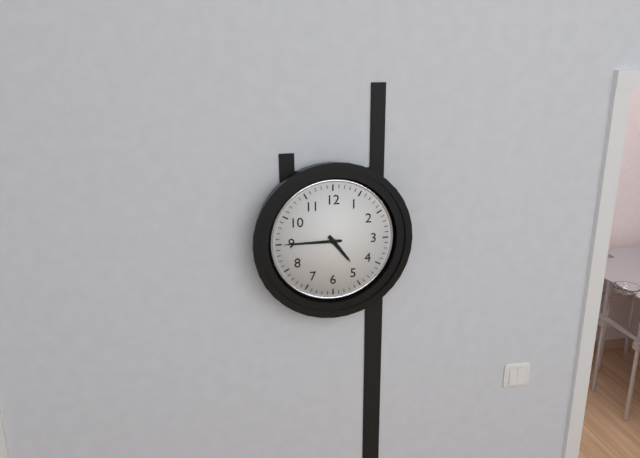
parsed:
4 h 45 min
